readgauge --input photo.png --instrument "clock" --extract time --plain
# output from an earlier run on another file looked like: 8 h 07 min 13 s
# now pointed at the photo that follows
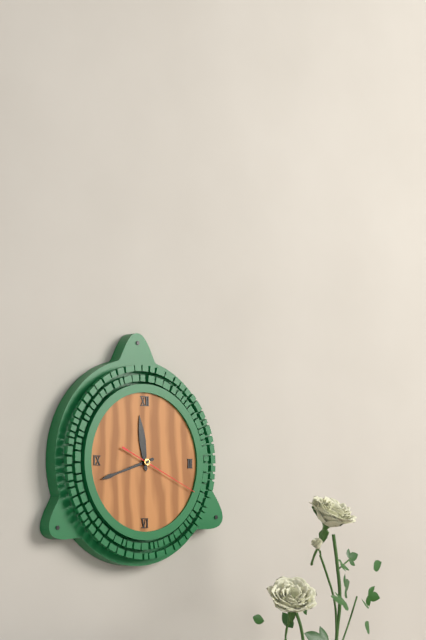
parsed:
11 h 42 min 19 s
